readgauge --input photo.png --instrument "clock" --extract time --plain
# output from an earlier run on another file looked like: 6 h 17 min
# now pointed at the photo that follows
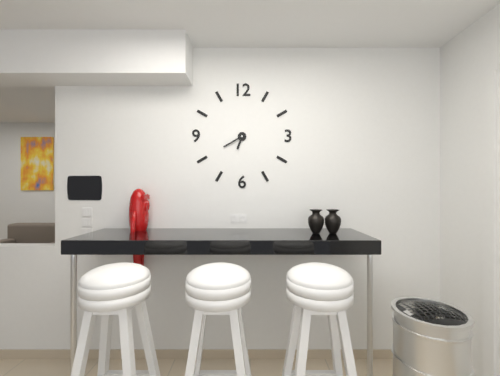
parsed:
6 h 40 min
